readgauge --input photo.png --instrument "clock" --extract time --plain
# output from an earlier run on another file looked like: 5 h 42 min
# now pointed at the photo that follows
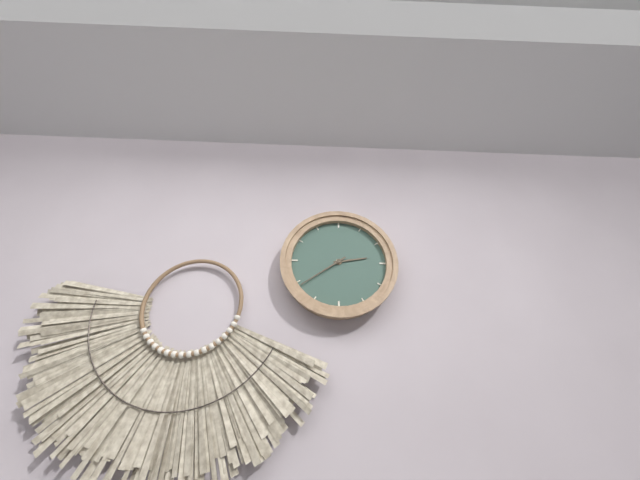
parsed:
2 h 39 min
